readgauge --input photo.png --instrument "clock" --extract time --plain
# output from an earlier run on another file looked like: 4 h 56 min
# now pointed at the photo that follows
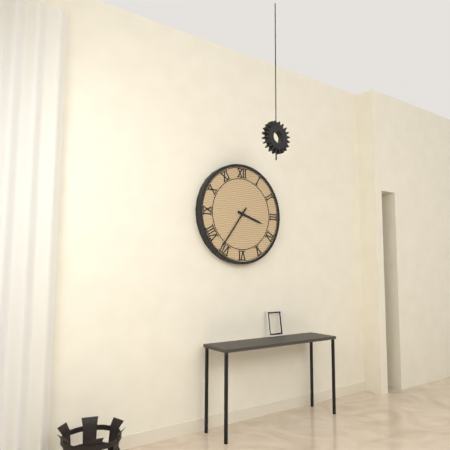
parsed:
3 h 36 min
